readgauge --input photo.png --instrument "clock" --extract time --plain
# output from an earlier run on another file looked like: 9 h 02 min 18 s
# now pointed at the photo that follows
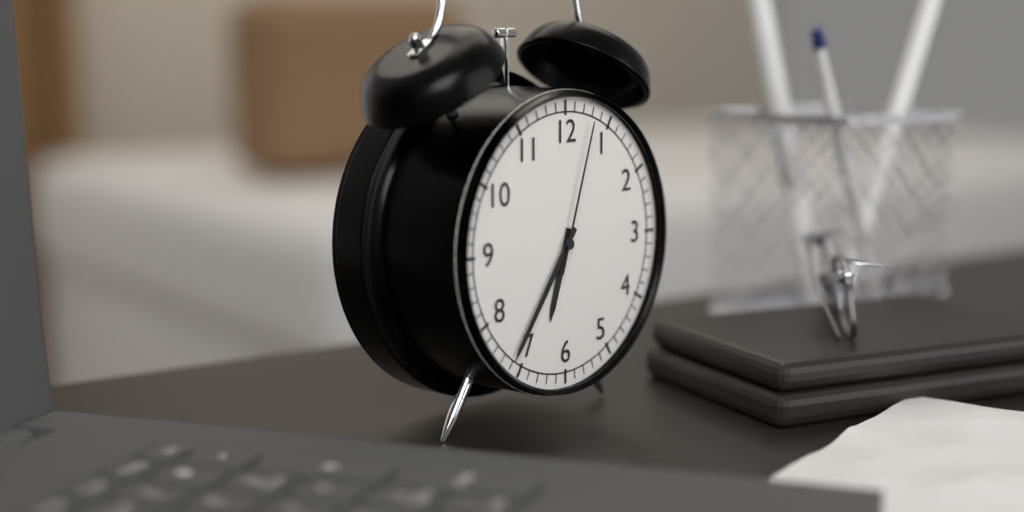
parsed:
6 h 36 min 03 s
